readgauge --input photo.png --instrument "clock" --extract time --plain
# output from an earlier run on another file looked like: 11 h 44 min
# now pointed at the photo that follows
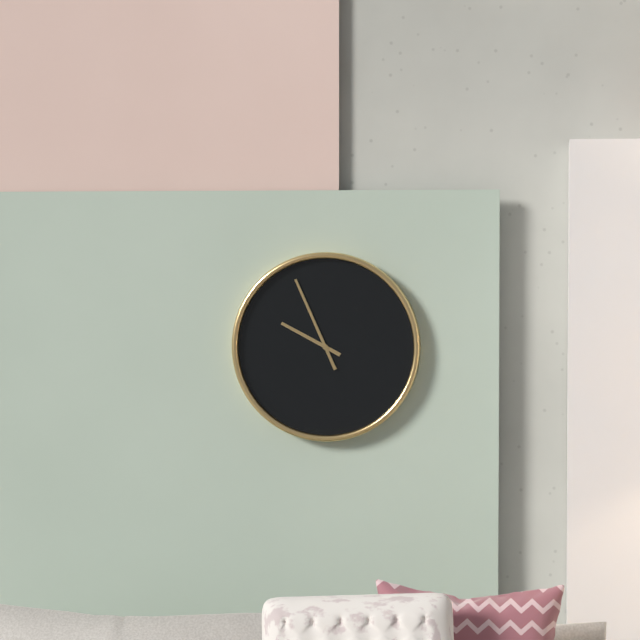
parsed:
9 h 56 min
